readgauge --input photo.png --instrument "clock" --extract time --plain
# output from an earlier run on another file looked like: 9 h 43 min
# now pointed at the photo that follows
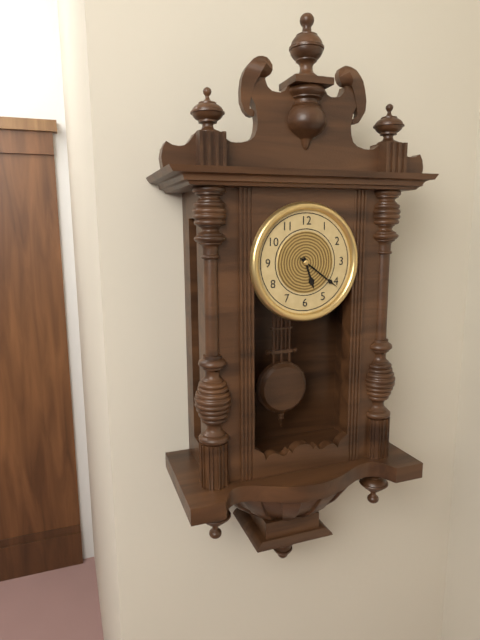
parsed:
5 h 21 min
